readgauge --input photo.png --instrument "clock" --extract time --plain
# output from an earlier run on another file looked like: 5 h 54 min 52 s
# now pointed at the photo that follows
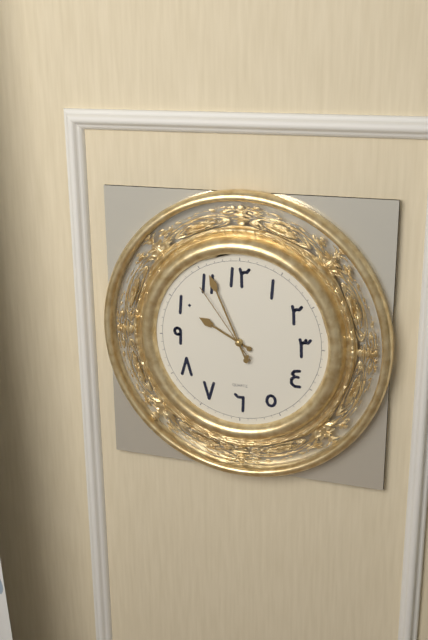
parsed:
9 h 56 min 54 s
